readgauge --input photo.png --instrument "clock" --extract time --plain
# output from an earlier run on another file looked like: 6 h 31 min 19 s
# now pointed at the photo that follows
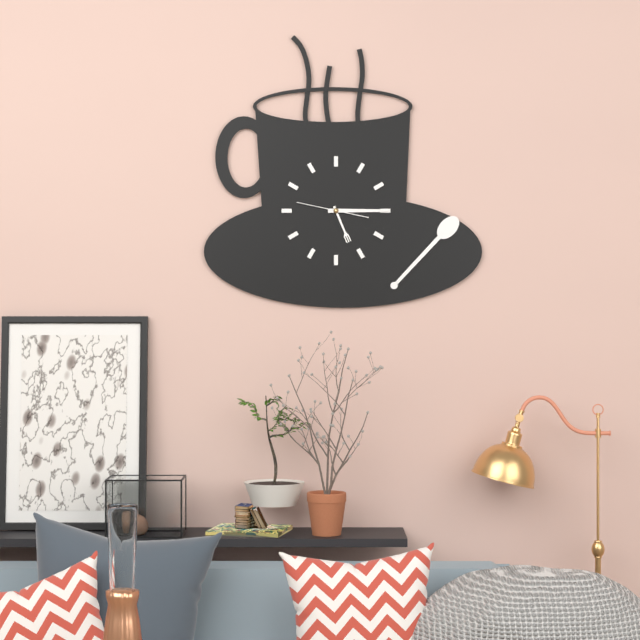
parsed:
5 h 15 min 47 s
